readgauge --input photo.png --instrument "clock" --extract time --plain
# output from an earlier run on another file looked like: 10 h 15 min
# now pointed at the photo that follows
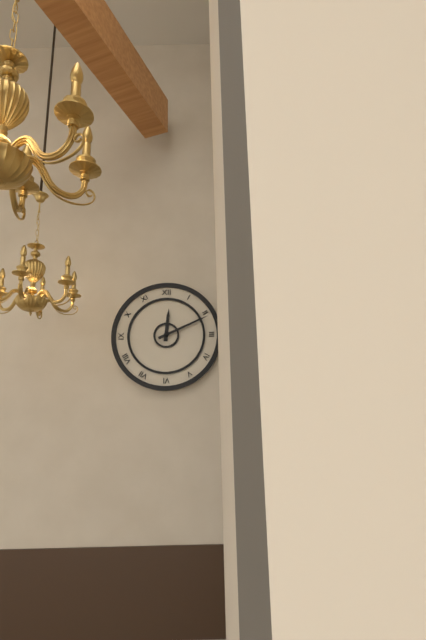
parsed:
12 h 11 min
